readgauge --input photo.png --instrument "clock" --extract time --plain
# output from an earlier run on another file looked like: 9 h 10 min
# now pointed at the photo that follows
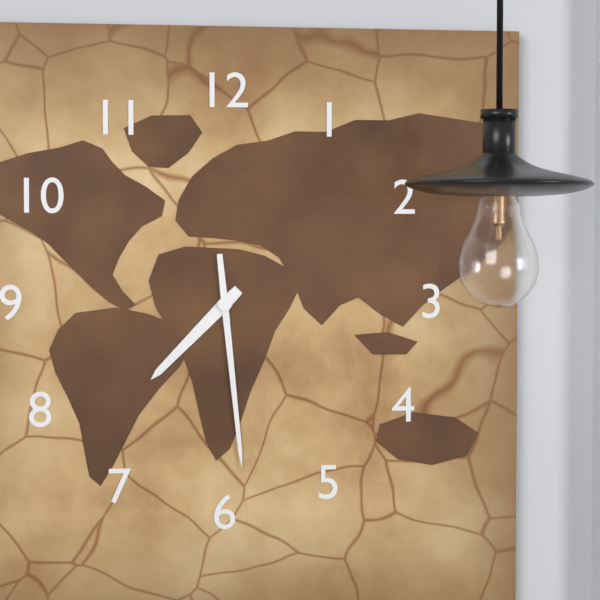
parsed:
7 h 29 min
